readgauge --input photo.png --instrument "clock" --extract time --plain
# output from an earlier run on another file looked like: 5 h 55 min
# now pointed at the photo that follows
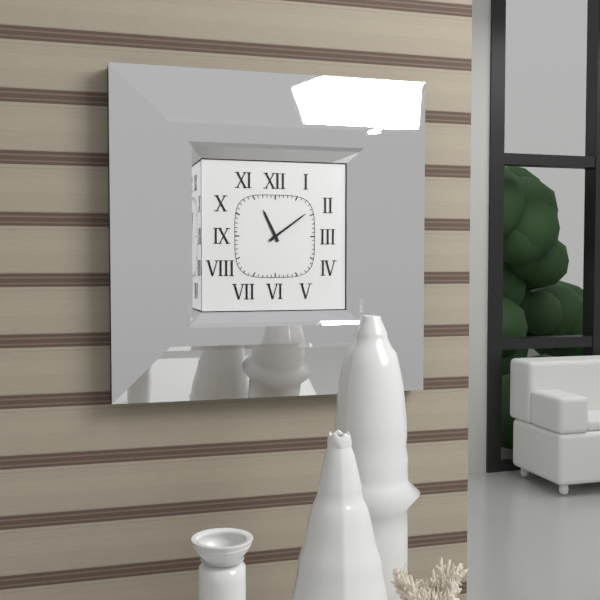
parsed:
11 h 09 min
